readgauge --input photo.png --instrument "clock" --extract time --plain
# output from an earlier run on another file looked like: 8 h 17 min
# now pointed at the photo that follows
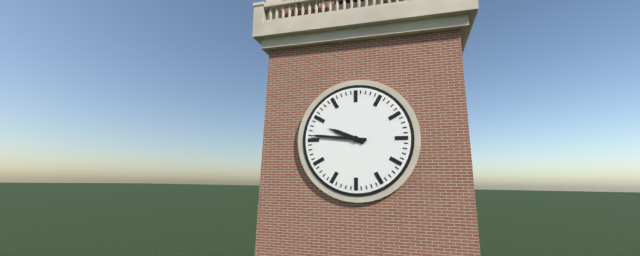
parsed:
9 h 46 min
